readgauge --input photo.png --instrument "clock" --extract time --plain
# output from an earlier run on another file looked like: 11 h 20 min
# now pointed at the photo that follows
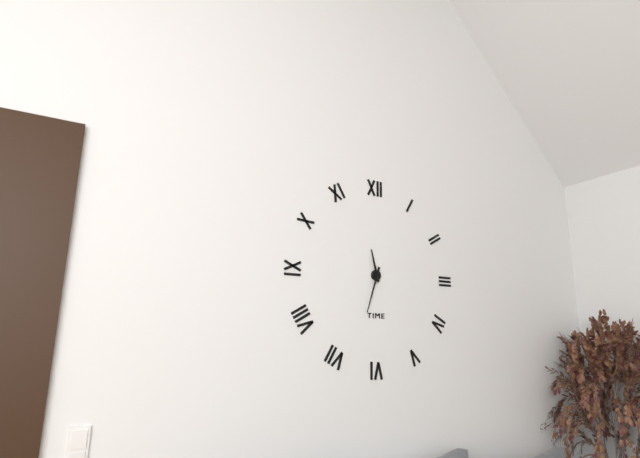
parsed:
11 h 33 min
